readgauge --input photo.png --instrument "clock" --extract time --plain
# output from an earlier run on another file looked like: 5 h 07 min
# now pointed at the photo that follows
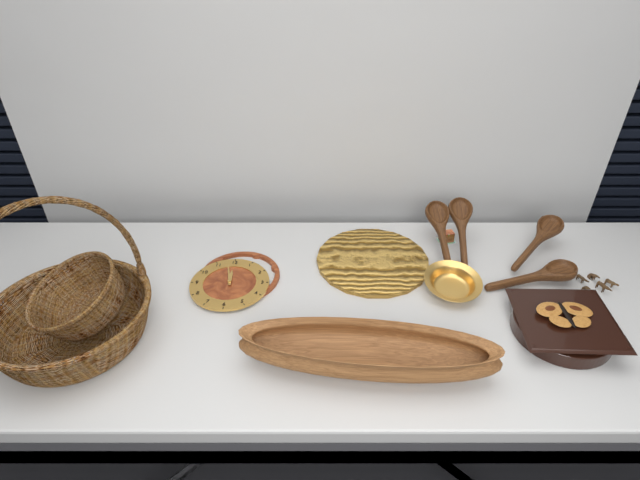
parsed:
11 h 58 min
